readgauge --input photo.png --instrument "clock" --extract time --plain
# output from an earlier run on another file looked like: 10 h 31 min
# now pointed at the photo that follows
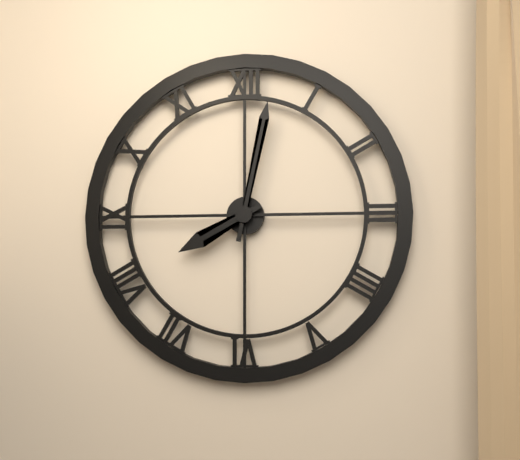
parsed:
8 h 02 min
